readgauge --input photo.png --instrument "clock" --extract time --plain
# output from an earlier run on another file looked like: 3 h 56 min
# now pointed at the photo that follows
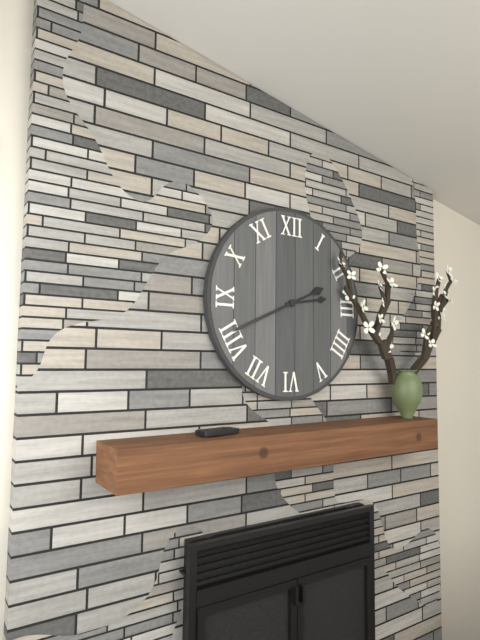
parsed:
2 h 41 min
